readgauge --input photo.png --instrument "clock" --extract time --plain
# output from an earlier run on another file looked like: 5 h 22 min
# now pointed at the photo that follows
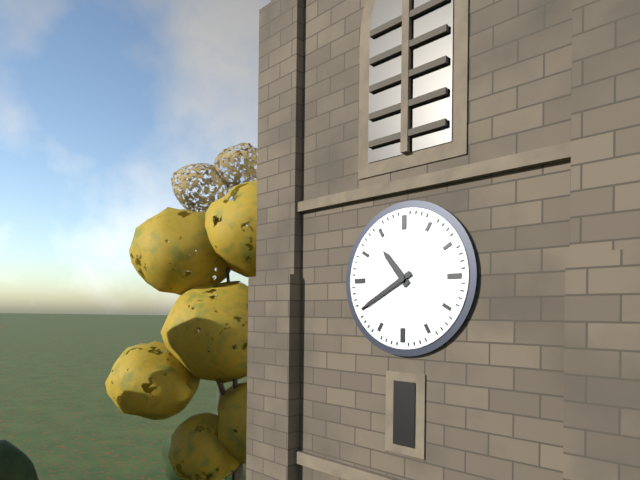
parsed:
10 h 40 min
